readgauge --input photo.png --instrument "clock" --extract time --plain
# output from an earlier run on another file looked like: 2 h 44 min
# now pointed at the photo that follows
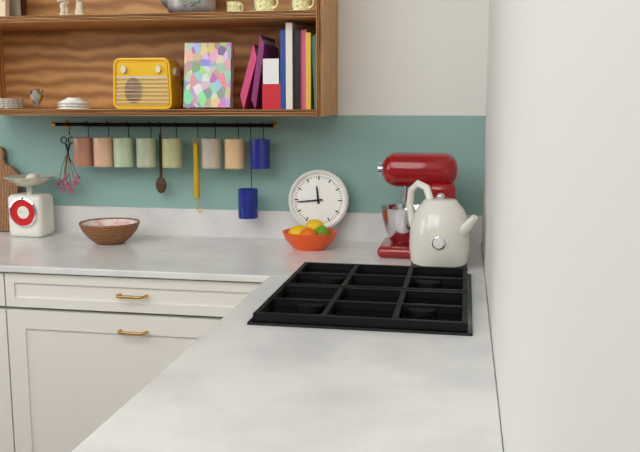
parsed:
11 h 44 min
